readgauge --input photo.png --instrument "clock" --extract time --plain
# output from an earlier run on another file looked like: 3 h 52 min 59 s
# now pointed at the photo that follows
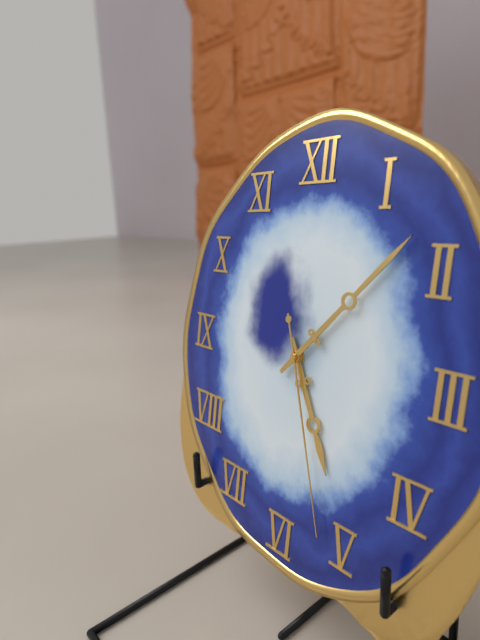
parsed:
5 h 07 min 27 s
